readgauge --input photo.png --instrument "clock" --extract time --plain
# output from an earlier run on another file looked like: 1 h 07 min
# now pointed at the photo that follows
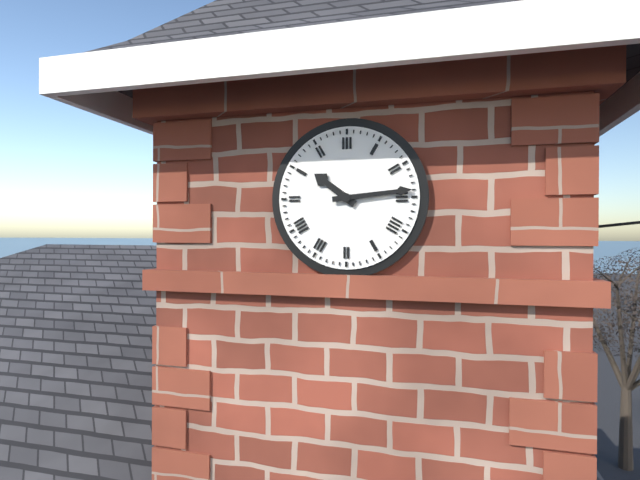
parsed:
10 h 14 min
